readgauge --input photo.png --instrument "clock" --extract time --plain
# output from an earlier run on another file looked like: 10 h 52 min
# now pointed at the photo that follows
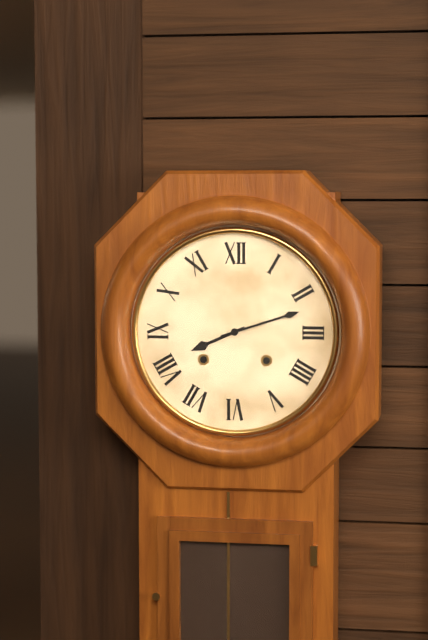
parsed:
8 h 12 min
